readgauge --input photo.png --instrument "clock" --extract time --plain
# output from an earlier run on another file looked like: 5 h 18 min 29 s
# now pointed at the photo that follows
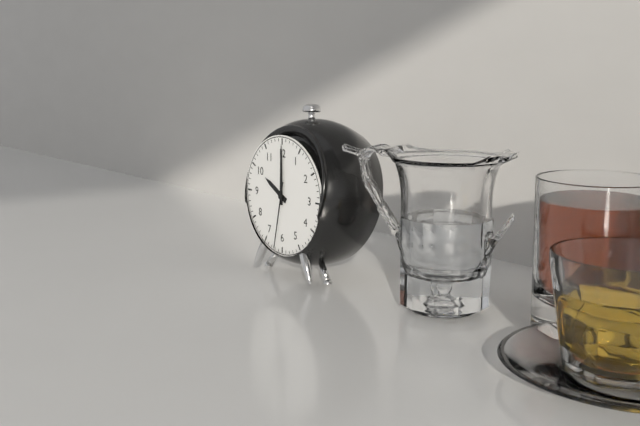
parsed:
10 h 00 min 32 s
